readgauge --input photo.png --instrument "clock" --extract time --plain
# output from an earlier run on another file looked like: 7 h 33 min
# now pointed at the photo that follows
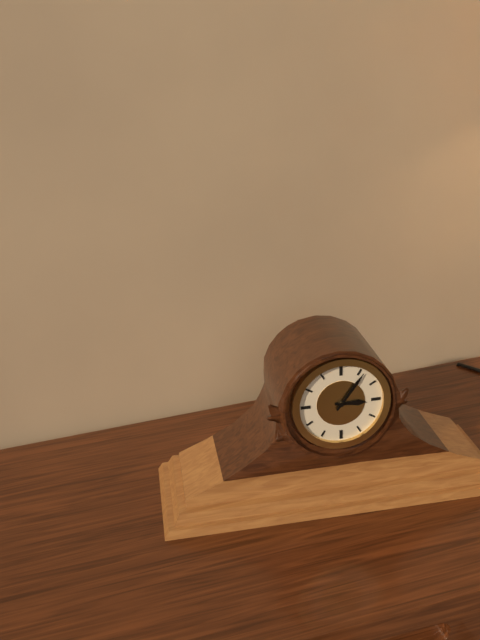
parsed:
3 h 06 min
